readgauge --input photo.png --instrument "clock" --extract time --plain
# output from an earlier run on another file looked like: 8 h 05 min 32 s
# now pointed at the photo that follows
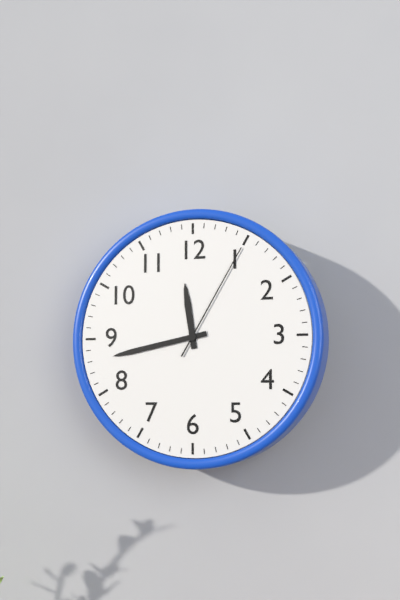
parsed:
11 h 43 min 05 s
